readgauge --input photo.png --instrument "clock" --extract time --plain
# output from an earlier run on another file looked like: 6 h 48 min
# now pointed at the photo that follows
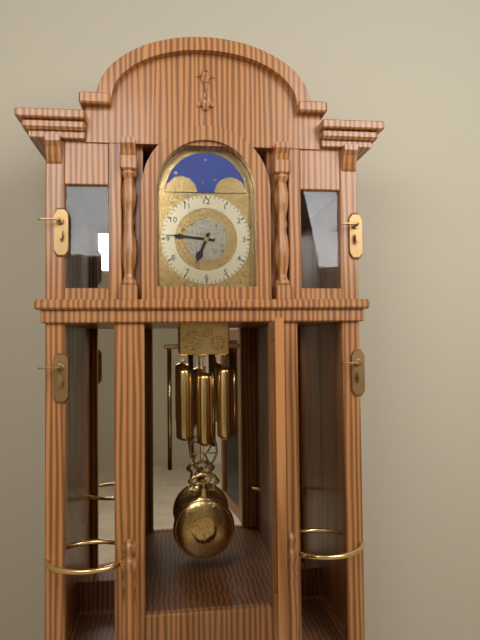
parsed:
6 h 46 min
